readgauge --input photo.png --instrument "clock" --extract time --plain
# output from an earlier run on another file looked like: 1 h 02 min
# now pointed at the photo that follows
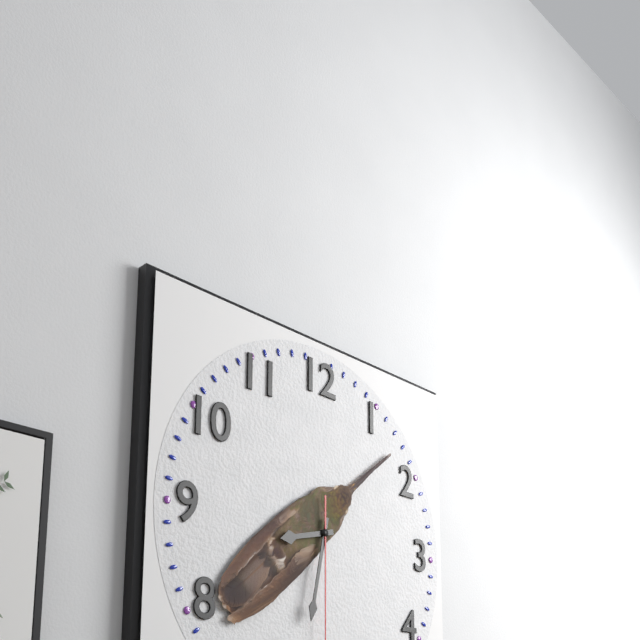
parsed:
8 h 32 min
